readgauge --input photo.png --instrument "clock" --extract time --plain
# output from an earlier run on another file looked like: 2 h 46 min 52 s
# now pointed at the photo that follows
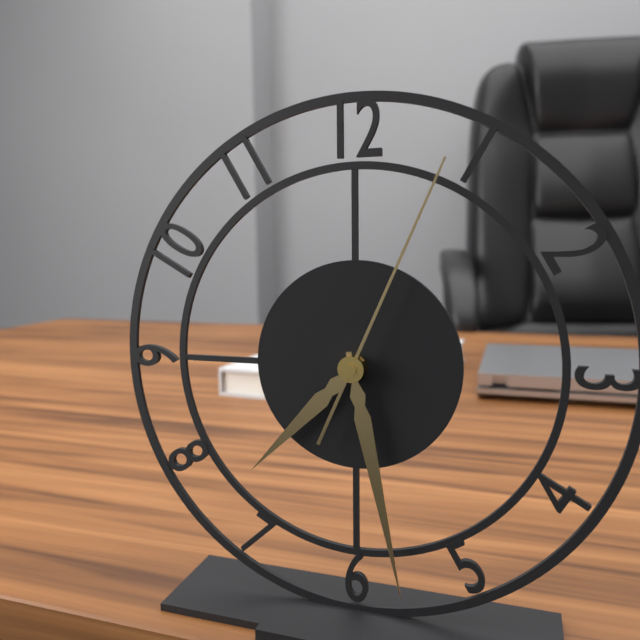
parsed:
7 h 28 min 04 s
